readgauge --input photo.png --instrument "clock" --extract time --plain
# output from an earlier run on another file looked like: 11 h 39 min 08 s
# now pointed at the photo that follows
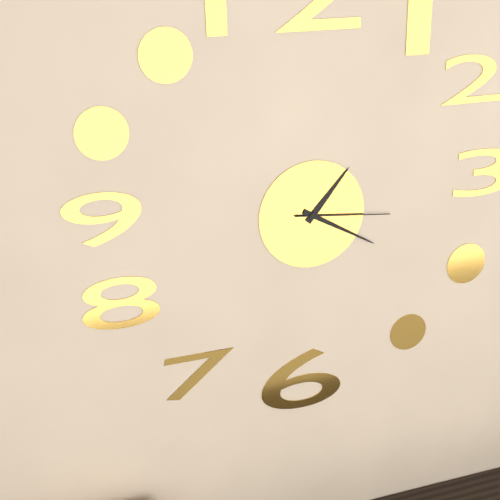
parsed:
1 h 20 min 16 s
